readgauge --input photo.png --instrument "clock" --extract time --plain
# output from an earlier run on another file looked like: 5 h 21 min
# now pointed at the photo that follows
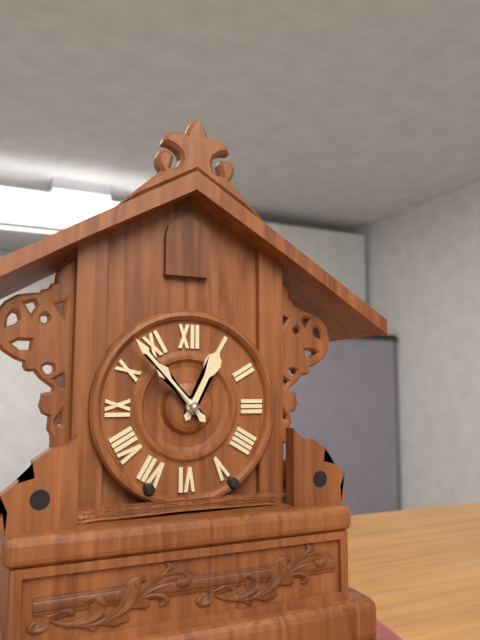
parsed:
12 h 53 min
